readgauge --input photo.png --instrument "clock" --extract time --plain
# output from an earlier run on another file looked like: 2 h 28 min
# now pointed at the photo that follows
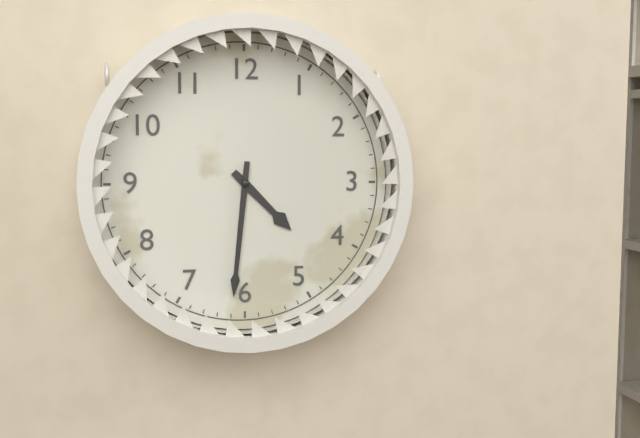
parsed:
4 h 31 min
